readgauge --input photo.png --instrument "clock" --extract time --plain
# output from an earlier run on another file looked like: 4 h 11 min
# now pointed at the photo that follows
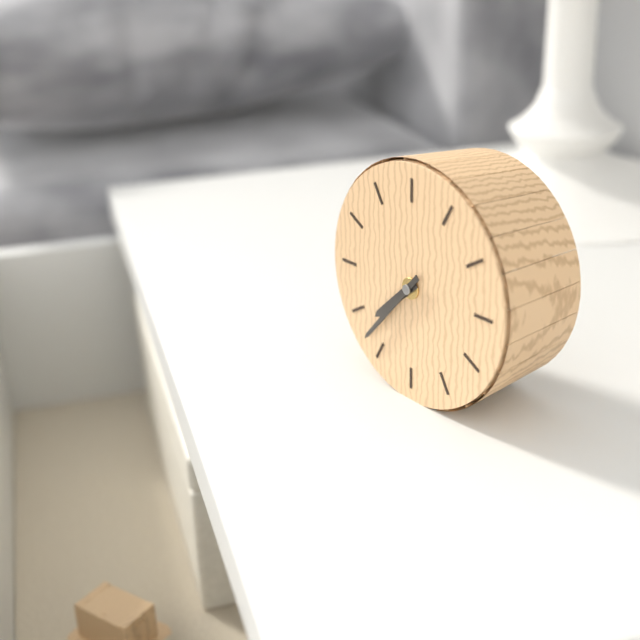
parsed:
7 h 37 min
